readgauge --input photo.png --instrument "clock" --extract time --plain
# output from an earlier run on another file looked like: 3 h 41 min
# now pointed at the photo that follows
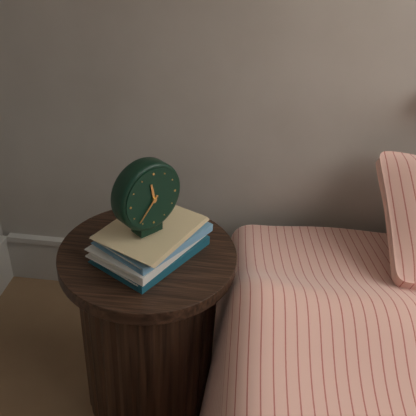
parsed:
11 h 37 min
